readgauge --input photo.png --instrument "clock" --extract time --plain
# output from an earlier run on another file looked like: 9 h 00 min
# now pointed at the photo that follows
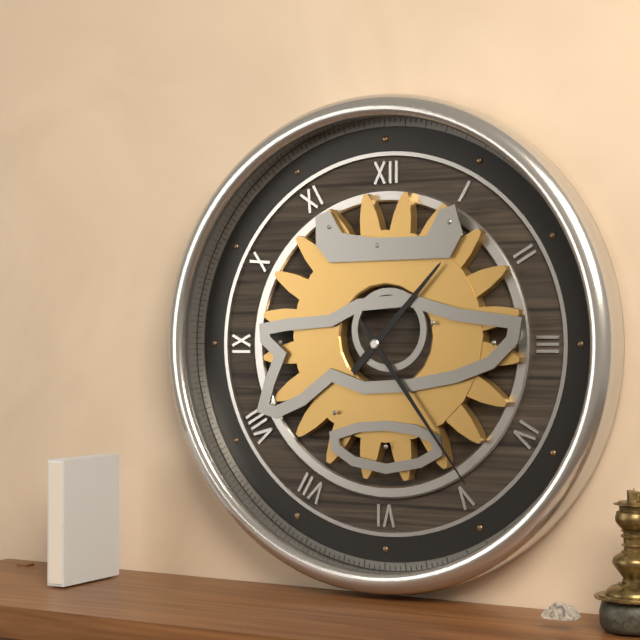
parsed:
1 h 24 min
